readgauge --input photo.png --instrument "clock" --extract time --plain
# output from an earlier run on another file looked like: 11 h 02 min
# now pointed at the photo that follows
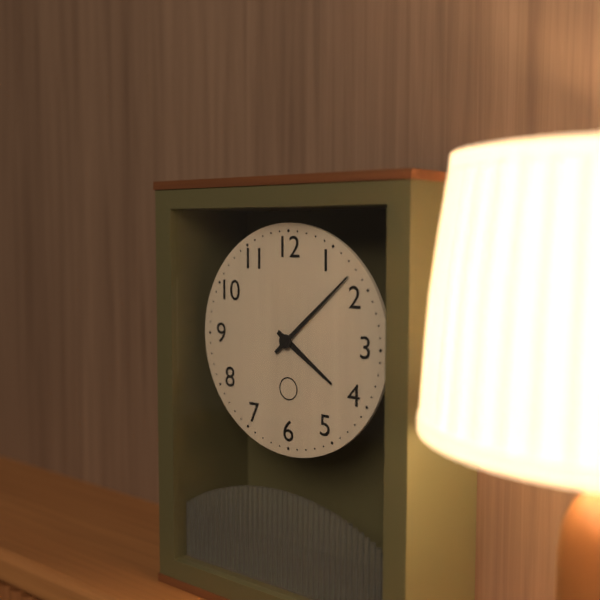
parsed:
4 h 08 min
